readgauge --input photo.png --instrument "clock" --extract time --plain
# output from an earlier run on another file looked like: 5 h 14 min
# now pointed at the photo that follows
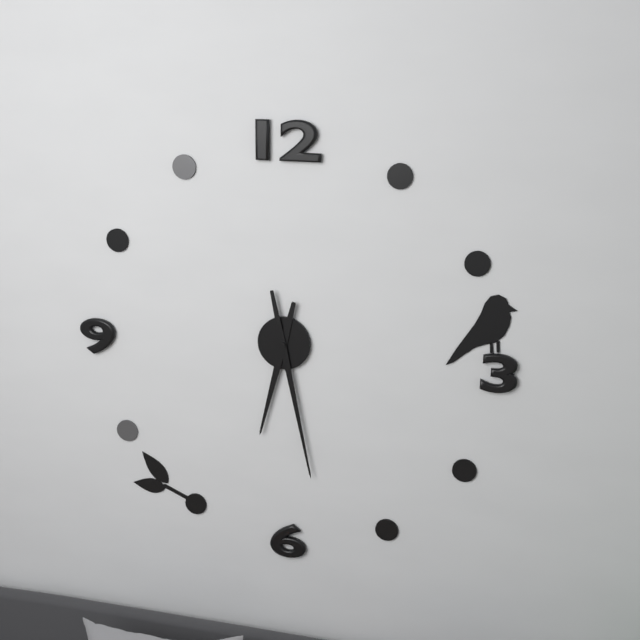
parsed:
6 h 28 min
